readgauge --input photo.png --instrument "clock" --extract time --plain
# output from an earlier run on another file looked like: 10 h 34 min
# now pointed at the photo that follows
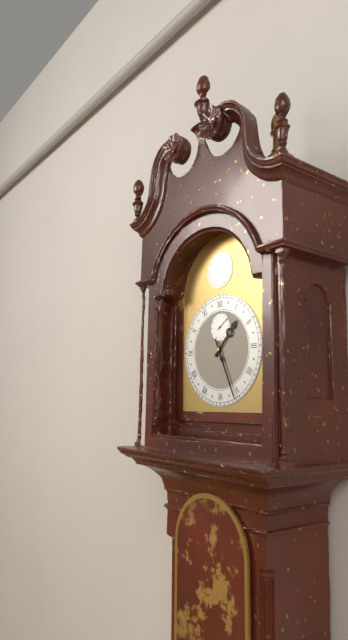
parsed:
1 h 26 min
